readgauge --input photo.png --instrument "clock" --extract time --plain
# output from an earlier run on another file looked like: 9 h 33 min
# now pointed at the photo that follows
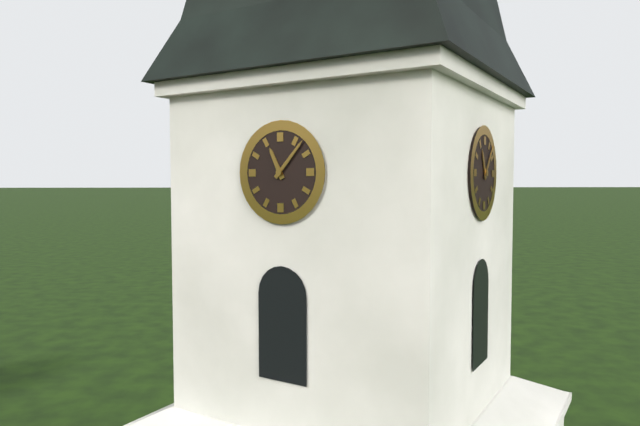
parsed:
11 h 07 min
